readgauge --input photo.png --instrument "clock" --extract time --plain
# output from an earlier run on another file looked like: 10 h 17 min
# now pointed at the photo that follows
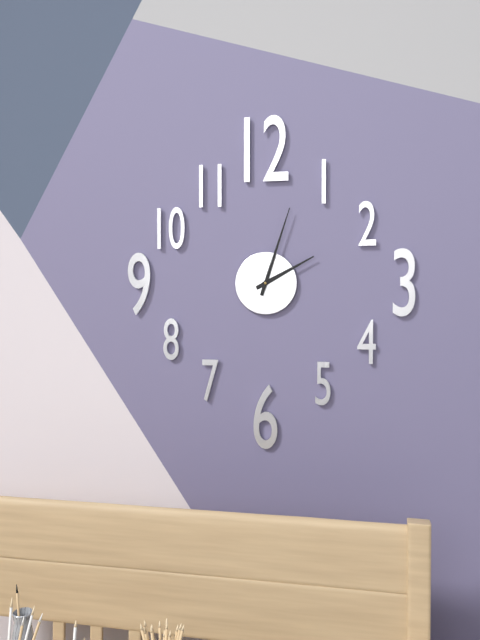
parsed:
2 h 03 min
